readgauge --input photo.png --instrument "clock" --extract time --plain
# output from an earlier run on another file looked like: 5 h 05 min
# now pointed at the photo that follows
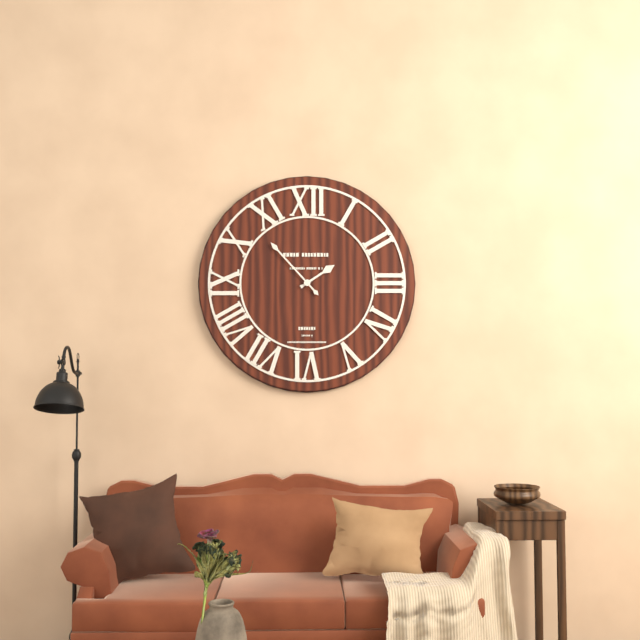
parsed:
1 h 53 min
